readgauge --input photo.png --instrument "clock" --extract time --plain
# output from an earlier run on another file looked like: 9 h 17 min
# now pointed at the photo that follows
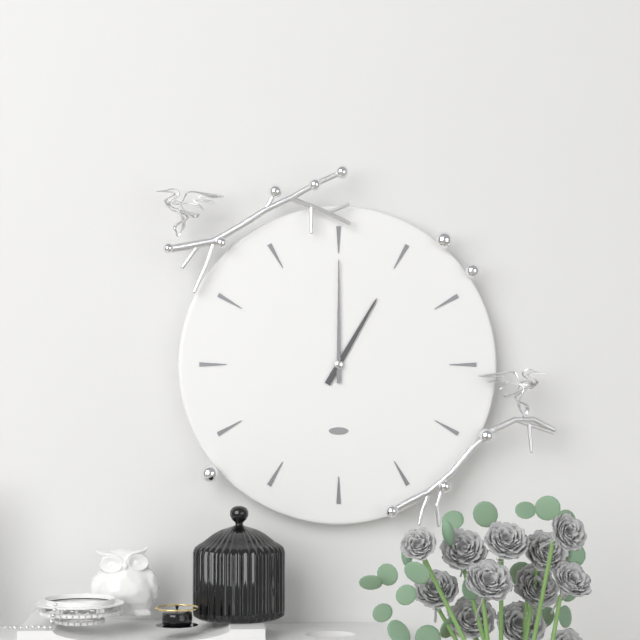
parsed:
1 h 00 min
